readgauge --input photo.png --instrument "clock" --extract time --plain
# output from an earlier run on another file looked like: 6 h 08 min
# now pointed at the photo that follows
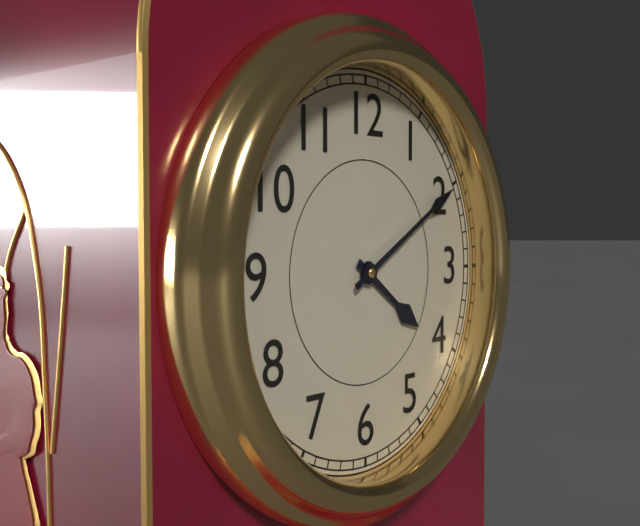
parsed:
4 h 10 min
